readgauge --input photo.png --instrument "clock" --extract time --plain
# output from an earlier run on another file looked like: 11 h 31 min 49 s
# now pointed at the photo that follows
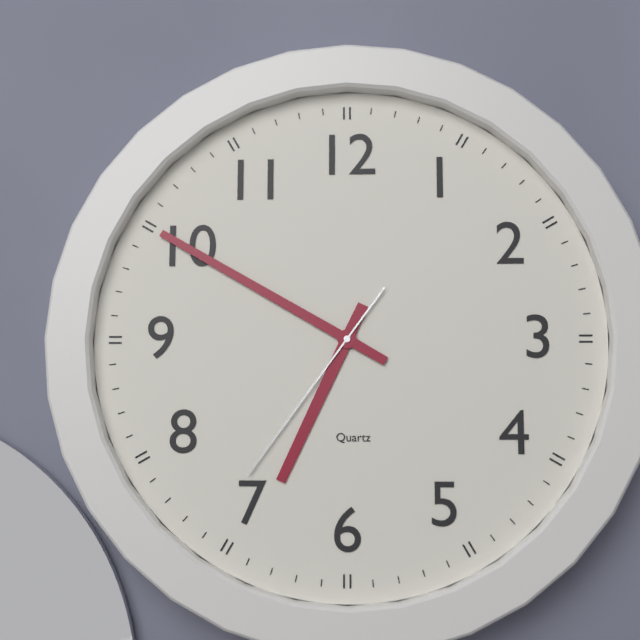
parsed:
6 h 50 min 36 s
